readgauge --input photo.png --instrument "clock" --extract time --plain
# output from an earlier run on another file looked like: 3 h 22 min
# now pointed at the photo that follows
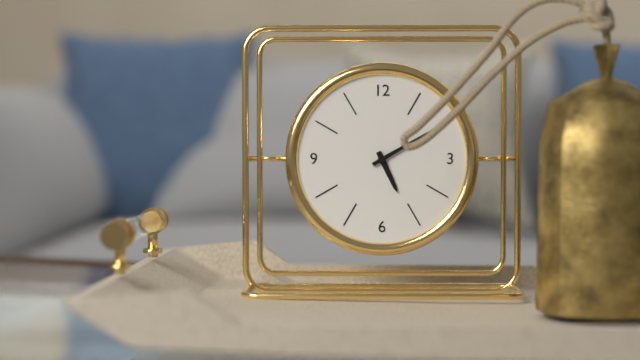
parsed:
5 h 10 min
